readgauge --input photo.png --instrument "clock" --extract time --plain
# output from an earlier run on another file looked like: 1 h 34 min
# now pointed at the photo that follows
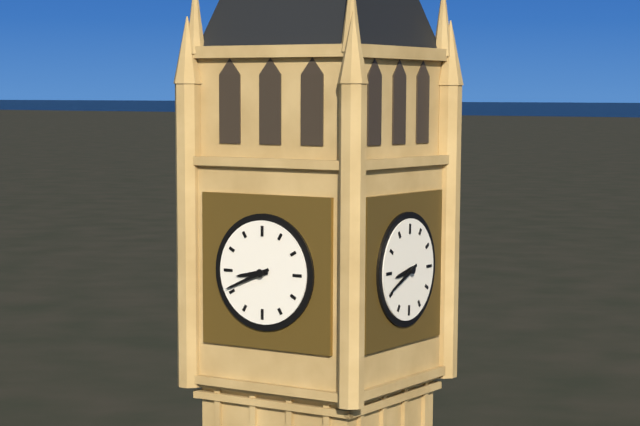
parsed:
8 h 41 min
